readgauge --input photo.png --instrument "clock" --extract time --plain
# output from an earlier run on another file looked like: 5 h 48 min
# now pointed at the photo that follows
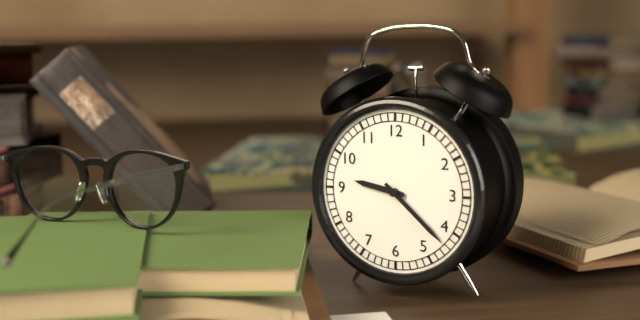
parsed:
9 h 22 min
